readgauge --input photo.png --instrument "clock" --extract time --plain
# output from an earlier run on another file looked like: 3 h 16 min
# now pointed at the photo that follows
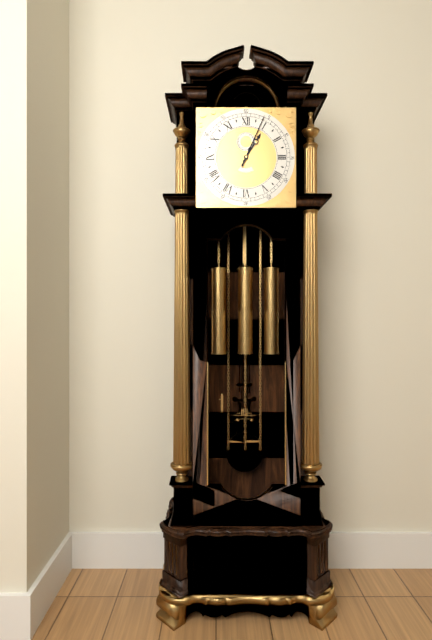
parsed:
1 h 04 min
